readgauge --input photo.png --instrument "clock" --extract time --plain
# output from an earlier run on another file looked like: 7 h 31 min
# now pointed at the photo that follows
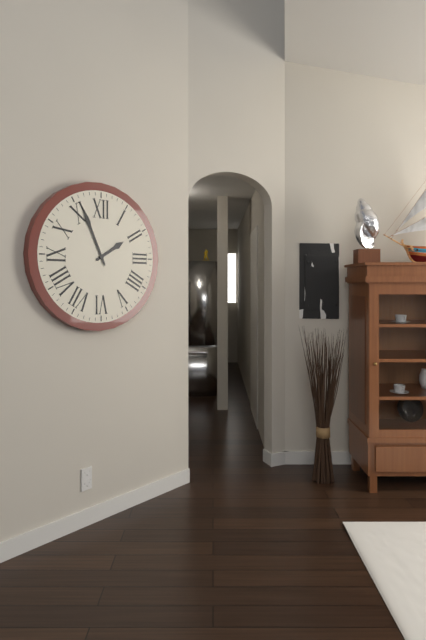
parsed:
1 h 56 min
